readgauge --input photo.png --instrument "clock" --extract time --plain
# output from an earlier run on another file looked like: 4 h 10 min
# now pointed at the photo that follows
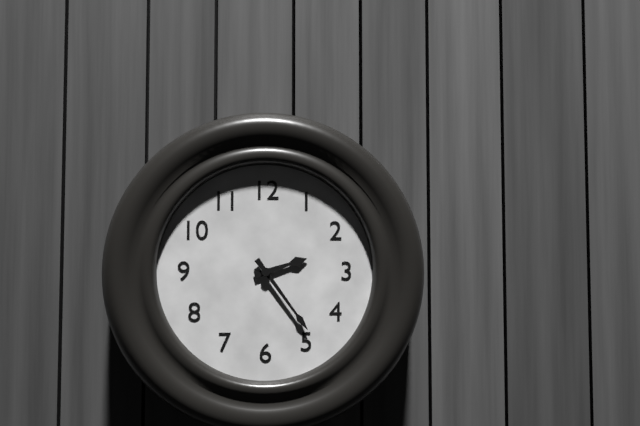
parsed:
2 h 24 min
